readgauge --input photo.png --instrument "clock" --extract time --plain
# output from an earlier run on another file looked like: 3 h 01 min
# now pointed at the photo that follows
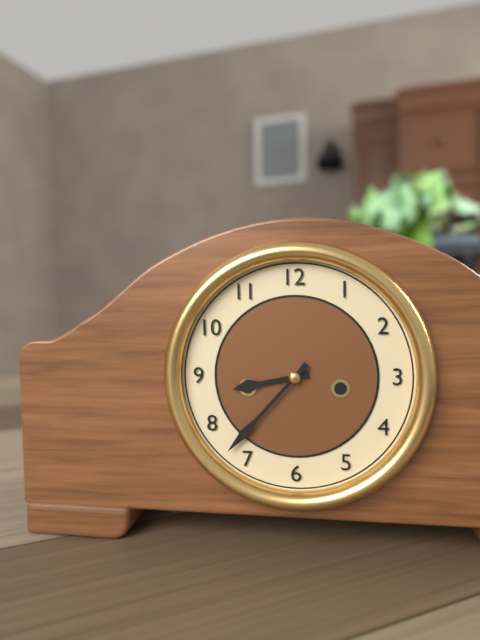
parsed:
8 h 37 min
